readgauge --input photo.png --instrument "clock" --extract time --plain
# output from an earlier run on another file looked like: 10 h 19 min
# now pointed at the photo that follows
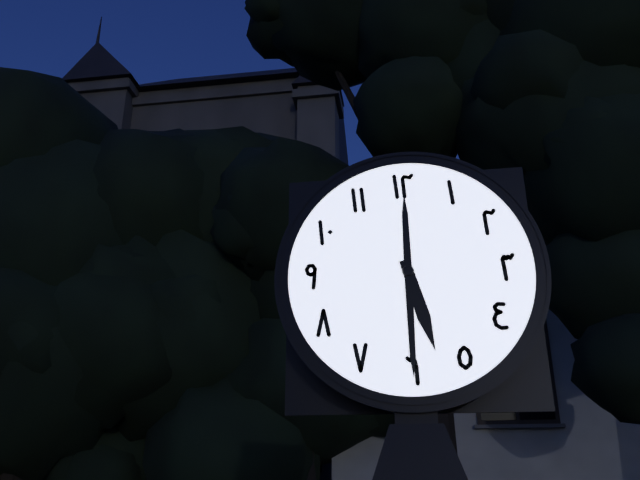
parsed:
5 h 30 min
